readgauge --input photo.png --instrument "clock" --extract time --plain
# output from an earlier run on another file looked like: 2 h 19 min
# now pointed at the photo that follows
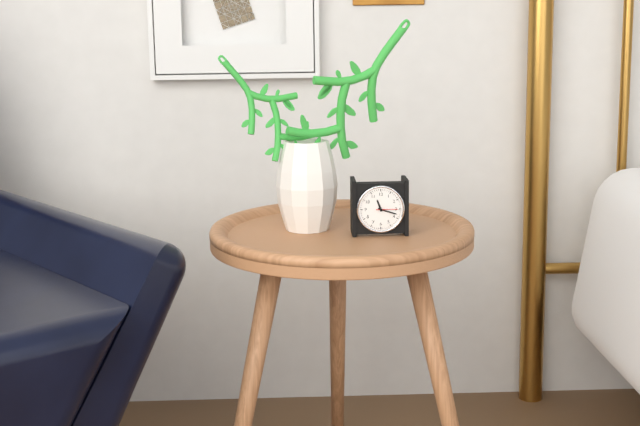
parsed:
11 h 18 min
